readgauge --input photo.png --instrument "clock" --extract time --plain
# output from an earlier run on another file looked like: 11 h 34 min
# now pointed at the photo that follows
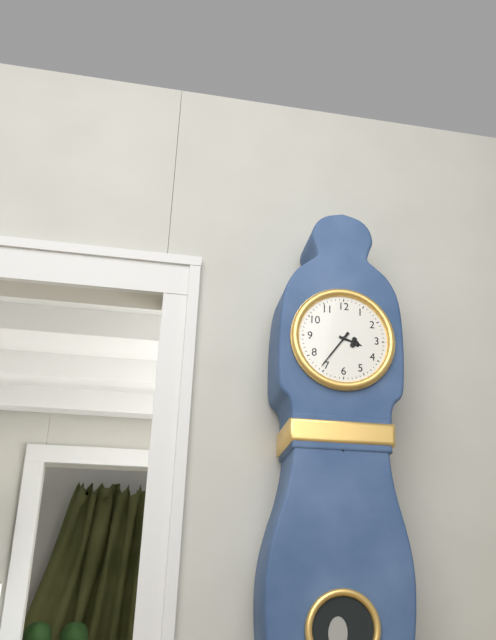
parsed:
3 h 36 min
